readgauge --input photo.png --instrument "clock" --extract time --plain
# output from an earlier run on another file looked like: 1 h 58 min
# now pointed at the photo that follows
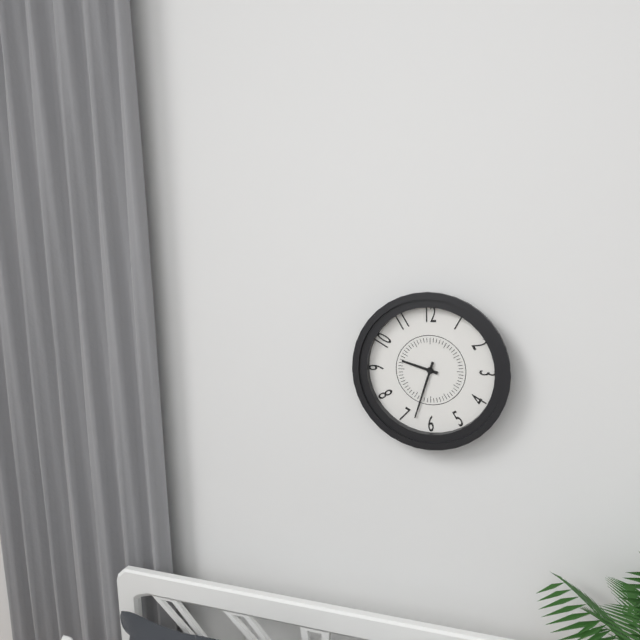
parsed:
9 h 33 min
